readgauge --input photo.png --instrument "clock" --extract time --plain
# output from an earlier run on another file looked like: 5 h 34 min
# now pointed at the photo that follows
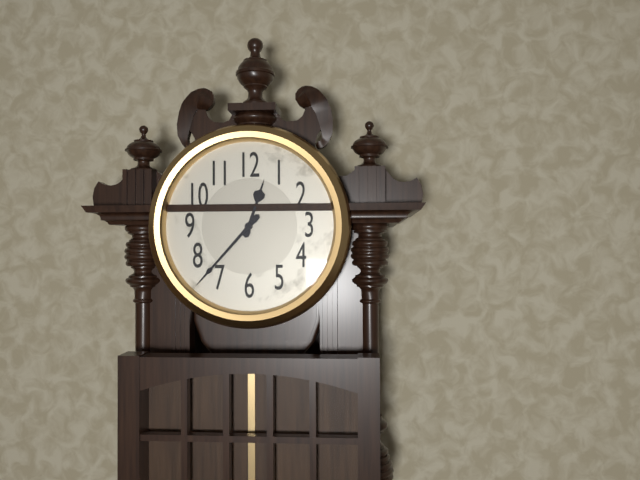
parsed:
12 h 37 min
